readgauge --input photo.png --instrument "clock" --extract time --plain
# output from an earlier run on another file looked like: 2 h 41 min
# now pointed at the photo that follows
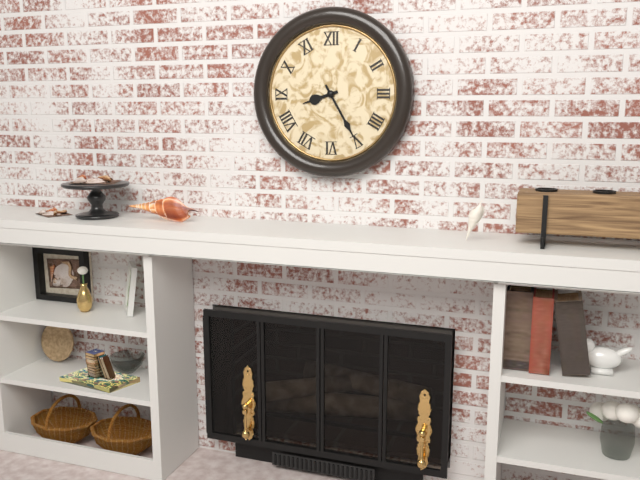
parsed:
8 h 25 min
